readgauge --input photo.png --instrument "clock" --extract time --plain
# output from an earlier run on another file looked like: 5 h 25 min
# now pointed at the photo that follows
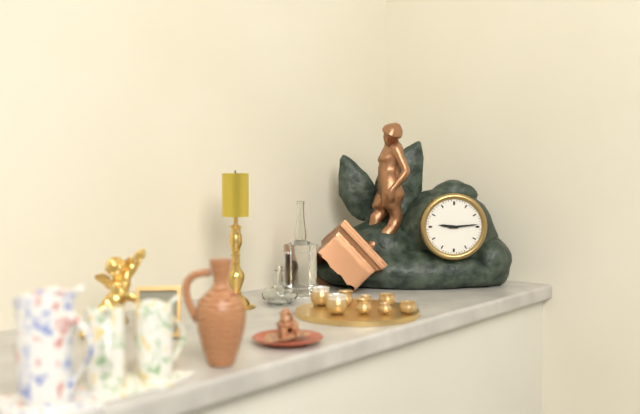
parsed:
9 h 14 min
